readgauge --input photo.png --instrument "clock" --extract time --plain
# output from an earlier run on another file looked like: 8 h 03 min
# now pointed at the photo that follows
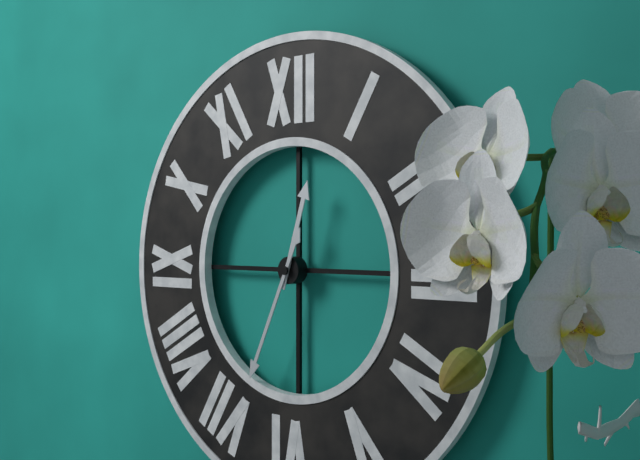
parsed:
12 h 34 min
